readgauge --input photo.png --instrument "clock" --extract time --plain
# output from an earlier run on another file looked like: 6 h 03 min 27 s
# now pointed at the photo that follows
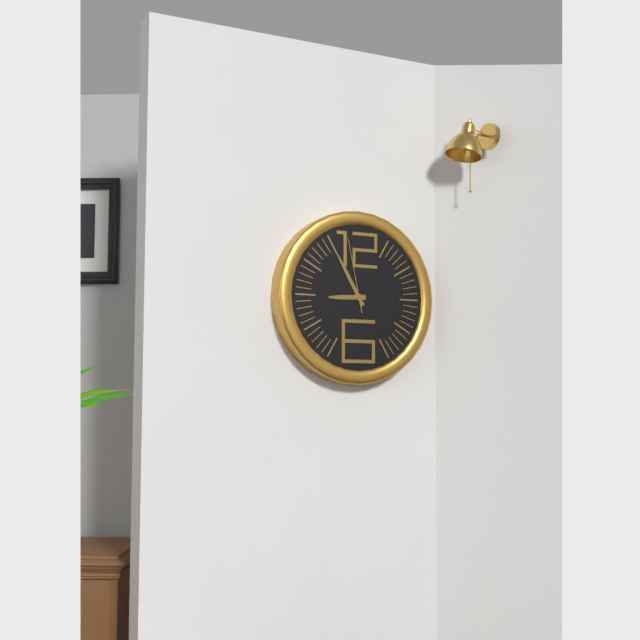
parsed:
8 h 55 min 58 s
